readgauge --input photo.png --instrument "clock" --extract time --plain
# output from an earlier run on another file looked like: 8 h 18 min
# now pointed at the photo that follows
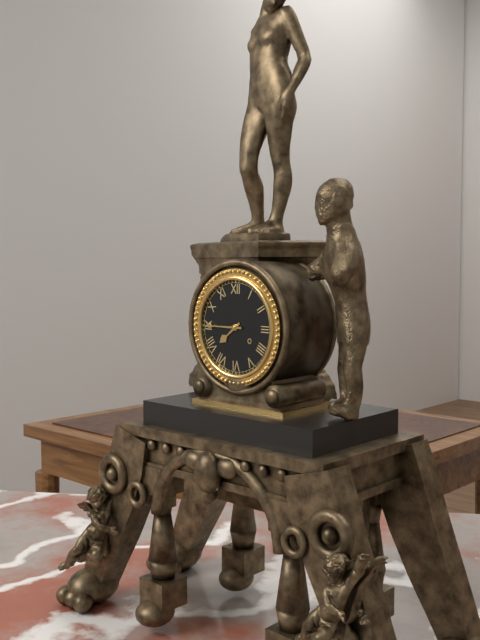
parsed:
7 h 45 min
